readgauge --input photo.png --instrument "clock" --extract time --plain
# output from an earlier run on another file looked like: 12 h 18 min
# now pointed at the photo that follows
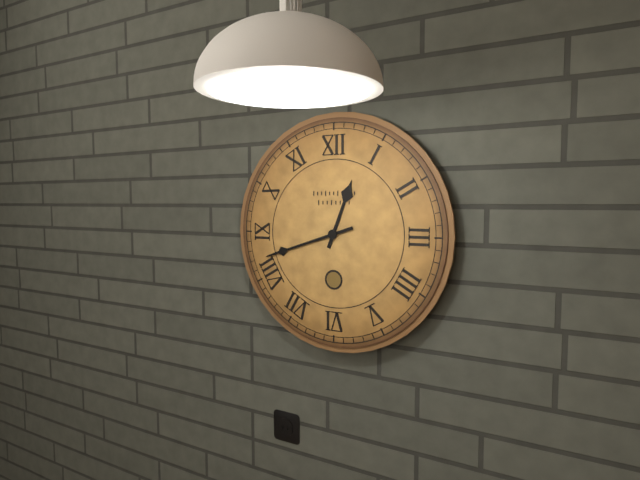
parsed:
12 h 42 min
